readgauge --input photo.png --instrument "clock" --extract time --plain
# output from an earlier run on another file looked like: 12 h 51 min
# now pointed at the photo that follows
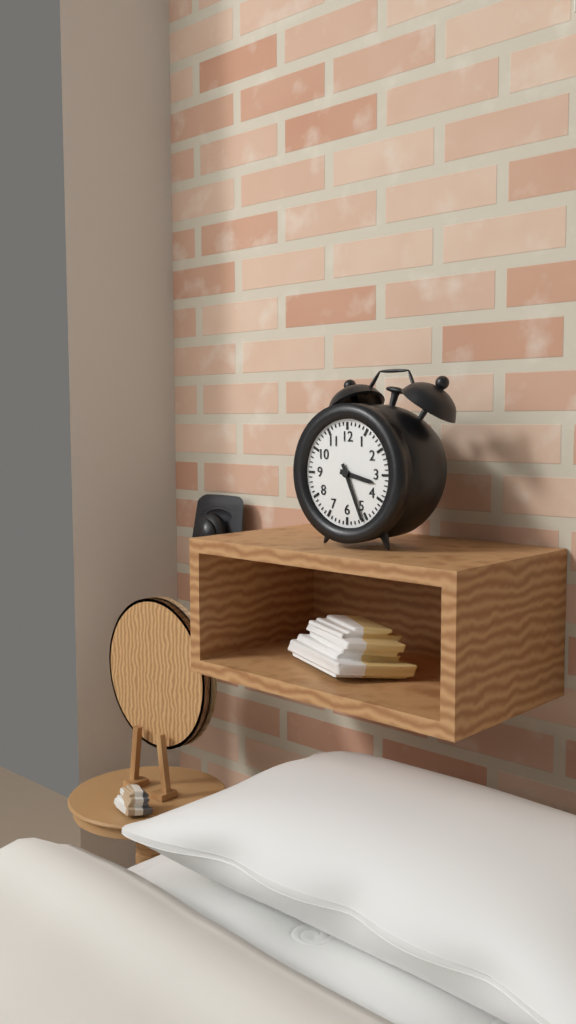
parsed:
3 h 26 min
